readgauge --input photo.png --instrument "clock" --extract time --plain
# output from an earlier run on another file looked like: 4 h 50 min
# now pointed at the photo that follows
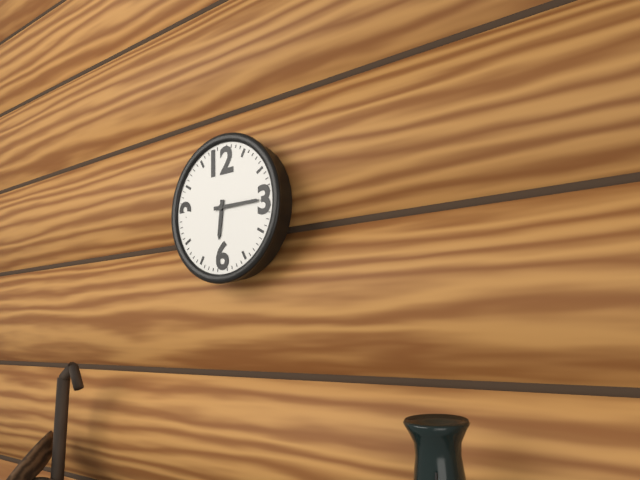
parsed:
6 h 15 min
